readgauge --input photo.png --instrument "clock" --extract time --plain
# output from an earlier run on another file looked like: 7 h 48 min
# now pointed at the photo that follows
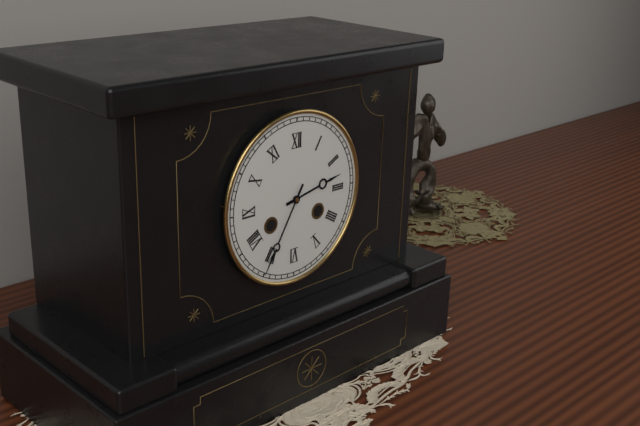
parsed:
2 h 35 min
